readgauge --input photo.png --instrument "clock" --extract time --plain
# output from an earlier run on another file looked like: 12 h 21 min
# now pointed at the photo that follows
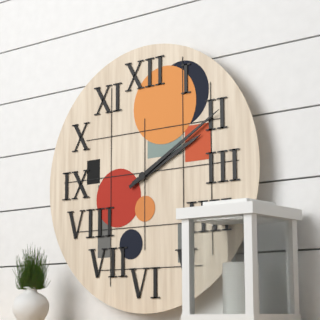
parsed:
2 h 10 min
